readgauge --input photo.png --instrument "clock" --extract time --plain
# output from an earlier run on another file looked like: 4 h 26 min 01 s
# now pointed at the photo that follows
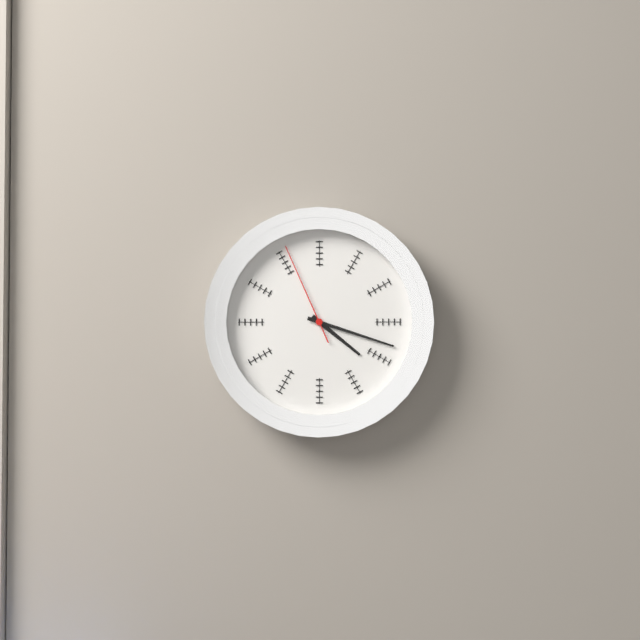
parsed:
4 h 18 min 56 s
